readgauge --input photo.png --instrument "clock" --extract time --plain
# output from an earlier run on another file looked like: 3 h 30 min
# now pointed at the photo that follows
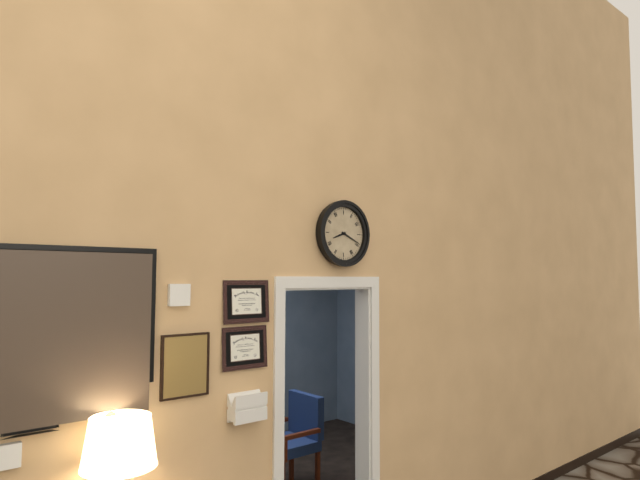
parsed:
8 h 19 min
